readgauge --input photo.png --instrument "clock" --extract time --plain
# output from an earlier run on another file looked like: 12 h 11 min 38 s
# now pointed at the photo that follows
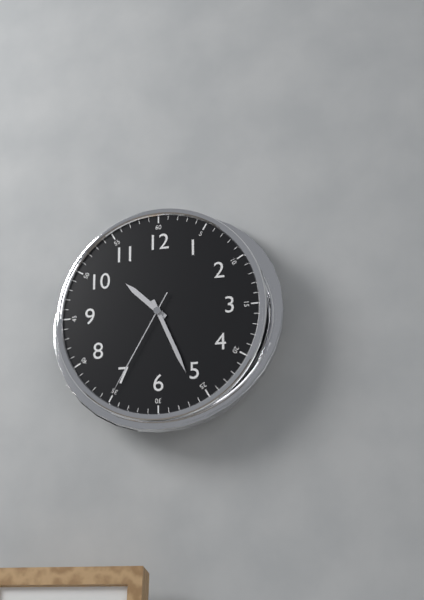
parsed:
10 h 26 min 35 s
